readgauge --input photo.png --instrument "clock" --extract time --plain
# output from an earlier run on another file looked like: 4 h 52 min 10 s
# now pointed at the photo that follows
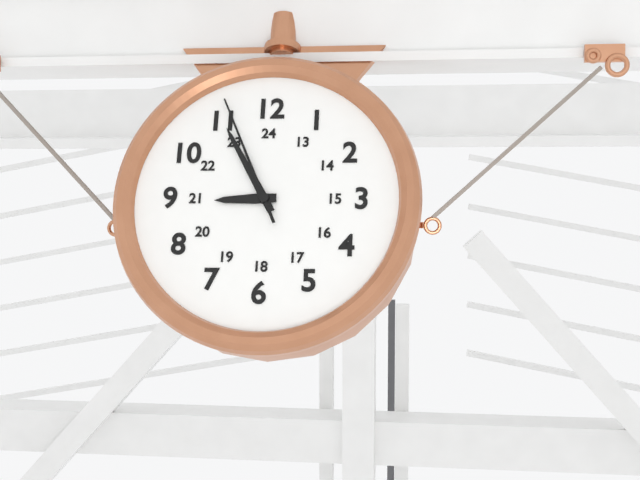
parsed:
8 h 55 min 56 s
